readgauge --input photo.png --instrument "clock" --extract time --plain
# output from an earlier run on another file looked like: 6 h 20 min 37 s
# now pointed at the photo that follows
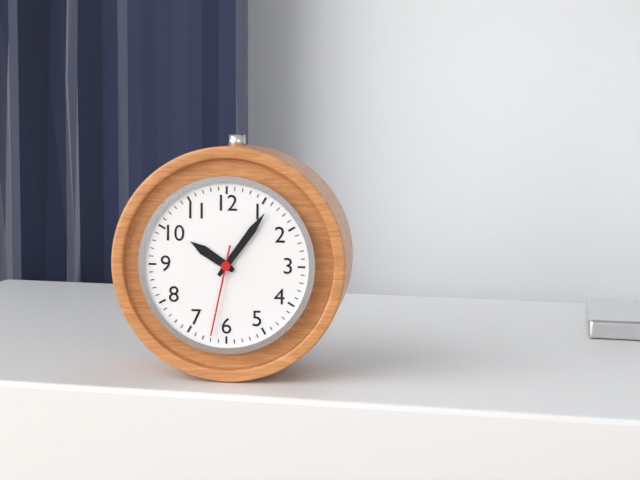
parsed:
10 h 06 min 32 s
